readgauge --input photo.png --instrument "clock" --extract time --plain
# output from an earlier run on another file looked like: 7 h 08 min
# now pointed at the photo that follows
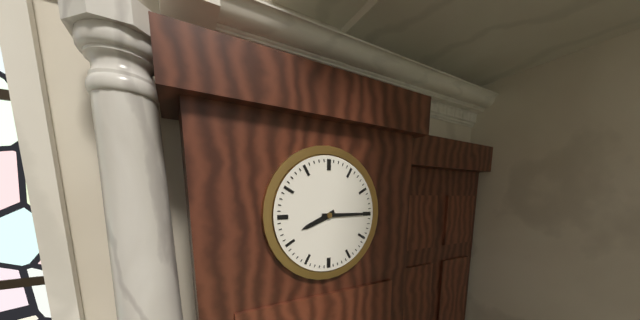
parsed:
8 h 15 min
